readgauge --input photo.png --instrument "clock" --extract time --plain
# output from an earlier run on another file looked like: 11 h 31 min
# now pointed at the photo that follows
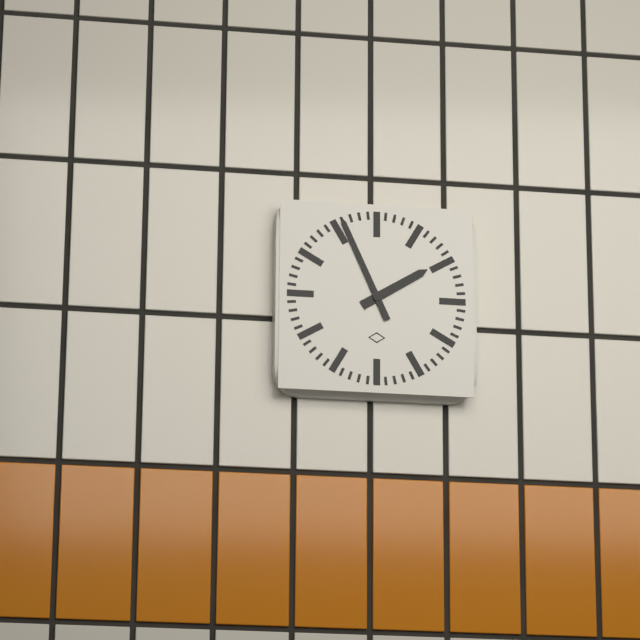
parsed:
1 h 56 min
